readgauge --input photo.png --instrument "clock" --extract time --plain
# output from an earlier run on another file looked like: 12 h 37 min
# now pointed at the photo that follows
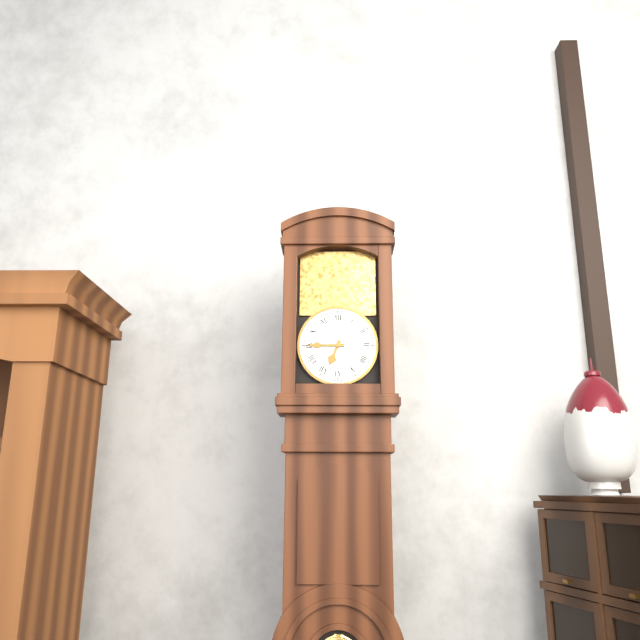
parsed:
6 h 45 min
